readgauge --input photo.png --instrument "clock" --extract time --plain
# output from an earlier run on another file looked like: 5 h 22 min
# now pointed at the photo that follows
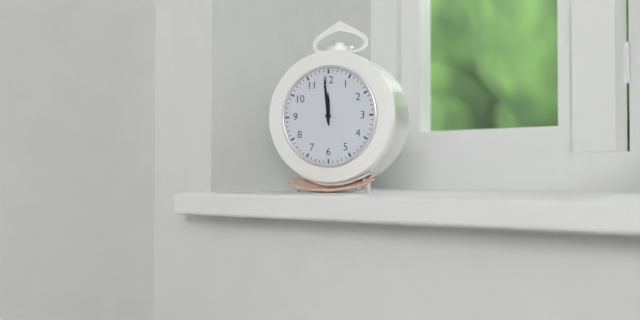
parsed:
11 h 59 min
